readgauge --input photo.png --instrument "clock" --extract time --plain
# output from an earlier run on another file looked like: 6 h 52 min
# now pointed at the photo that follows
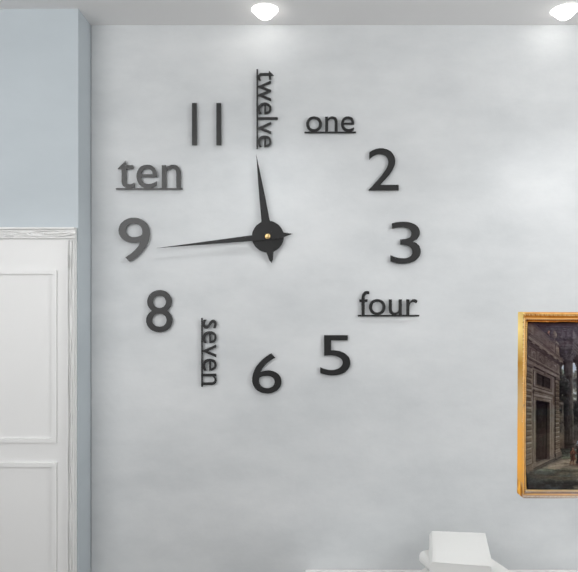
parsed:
11 h 44 min
